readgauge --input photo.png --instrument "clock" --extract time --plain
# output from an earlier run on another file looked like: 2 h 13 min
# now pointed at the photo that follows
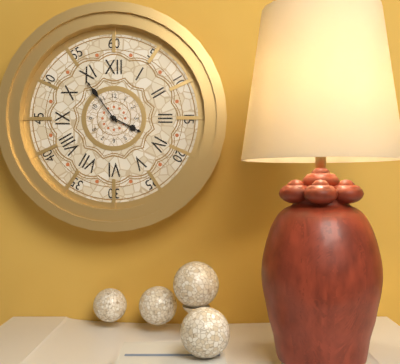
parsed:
3 h 54 min
